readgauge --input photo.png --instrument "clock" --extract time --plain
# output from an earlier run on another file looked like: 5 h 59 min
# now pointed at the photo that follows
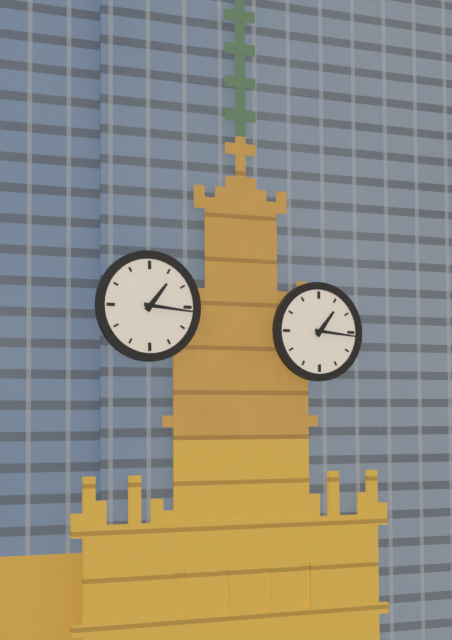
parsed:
1 h 16 min
